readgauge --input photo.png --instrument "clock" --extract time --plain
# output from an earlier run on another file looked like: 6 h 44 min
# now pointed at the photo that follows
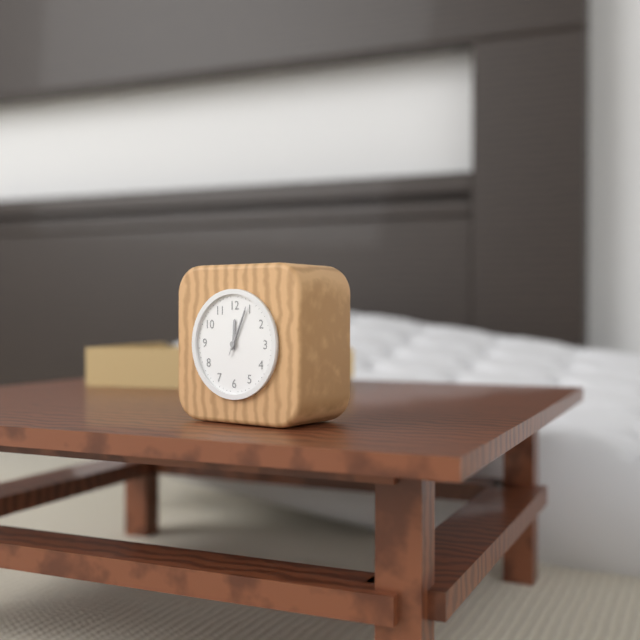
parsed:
12 h 04 min
